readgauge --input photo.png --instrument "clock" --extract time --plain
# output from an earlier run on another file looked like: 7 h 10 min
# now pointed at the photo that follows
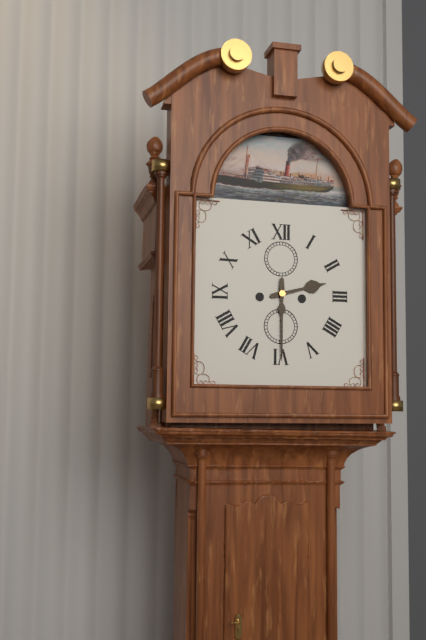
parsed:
2 h 30 min
